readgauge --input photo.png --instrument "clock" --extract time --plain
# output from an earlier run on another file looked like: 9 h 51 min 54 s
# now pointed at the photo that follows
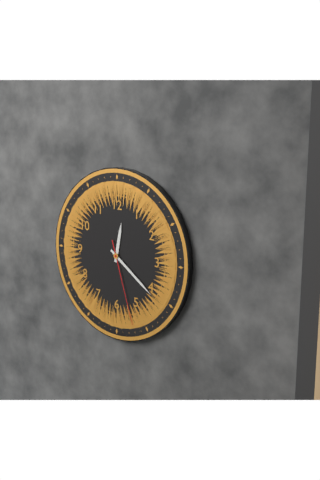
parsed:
12 h 21 min 27 s
